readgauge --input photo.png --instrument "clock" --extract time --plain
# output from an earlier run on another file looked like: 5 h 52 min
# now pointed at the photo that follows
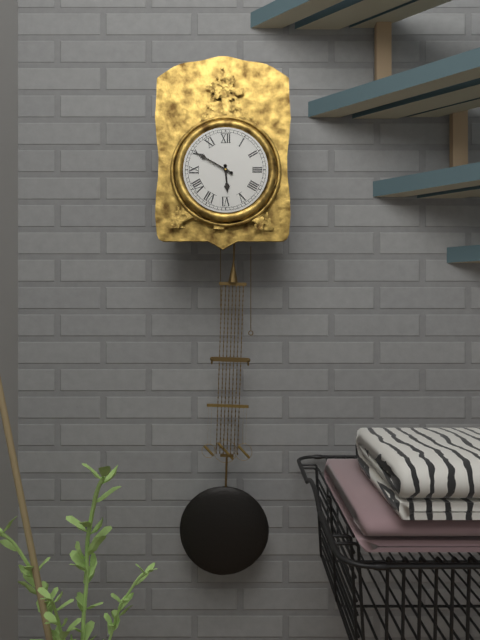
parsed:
5 h 50 min
